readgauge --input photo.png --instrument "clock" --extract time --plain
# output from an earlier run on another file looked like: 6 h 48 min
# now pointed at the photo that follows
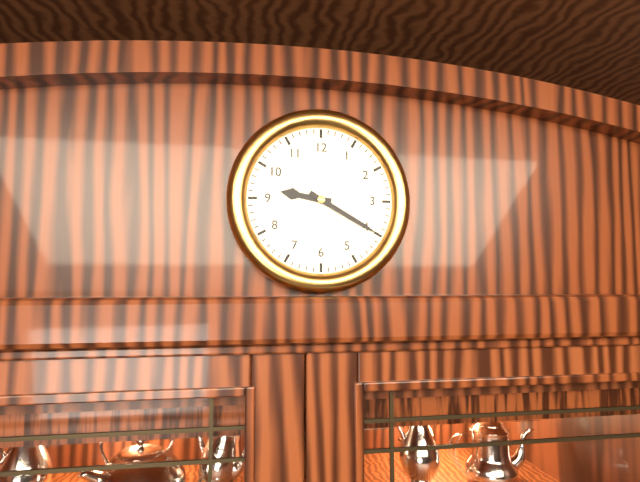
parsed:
9 h 20 min
